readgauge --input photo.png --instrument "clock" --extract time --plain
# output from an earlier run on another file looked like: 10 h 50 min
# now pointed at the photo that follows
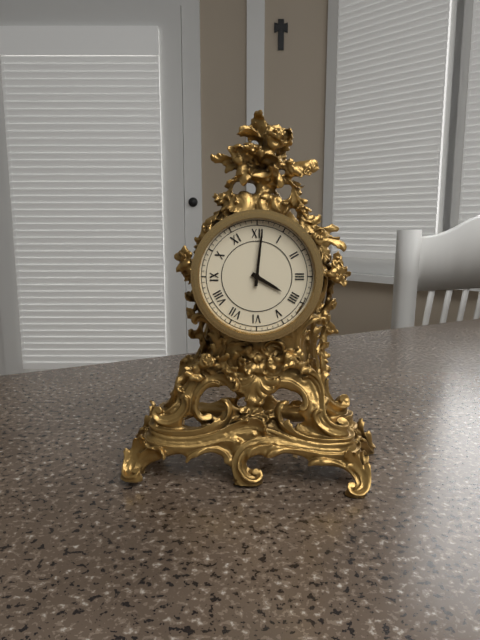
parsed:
4 h 01 min
